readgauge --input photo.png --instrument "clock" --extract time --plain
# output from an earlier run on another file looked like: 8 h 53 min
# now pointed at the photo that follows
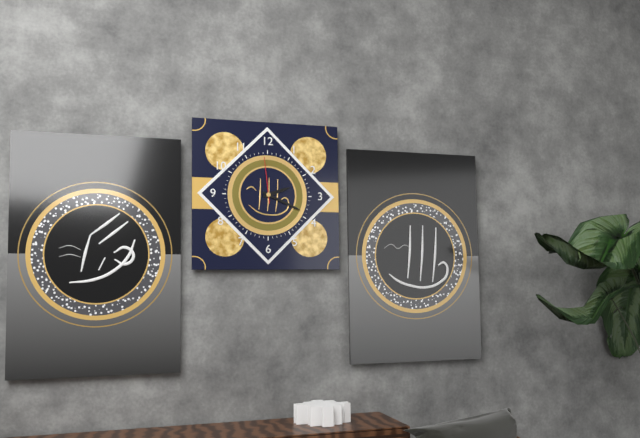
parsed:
2 h 19 min
